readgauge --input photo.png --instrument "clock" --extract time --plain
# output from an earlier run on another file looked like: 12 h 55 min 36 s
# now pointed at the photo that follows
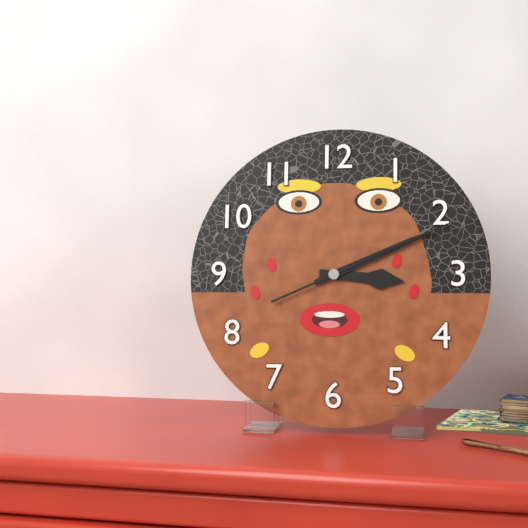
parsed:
3 h 11 min 11 s
